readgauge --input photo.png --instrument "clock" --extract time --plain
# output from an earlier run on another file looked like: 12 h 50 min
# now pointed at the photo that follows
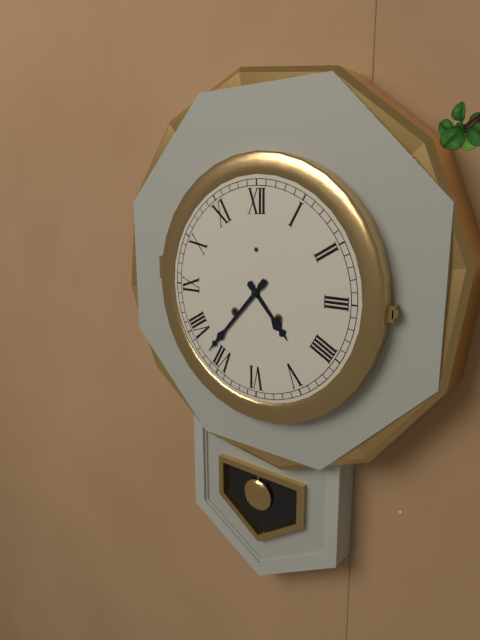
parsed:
4 h 37 min
